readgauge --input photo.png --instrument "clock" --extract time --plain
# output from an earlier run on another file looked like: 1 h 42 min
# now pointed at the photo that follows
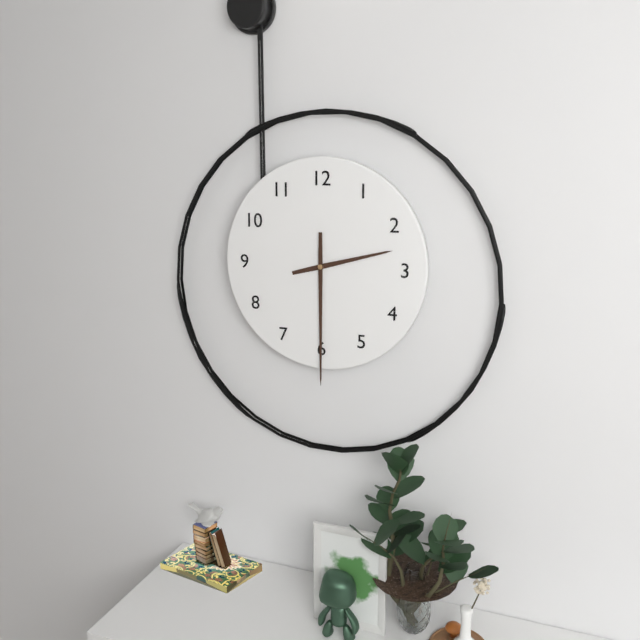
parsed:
2 h 30 min
